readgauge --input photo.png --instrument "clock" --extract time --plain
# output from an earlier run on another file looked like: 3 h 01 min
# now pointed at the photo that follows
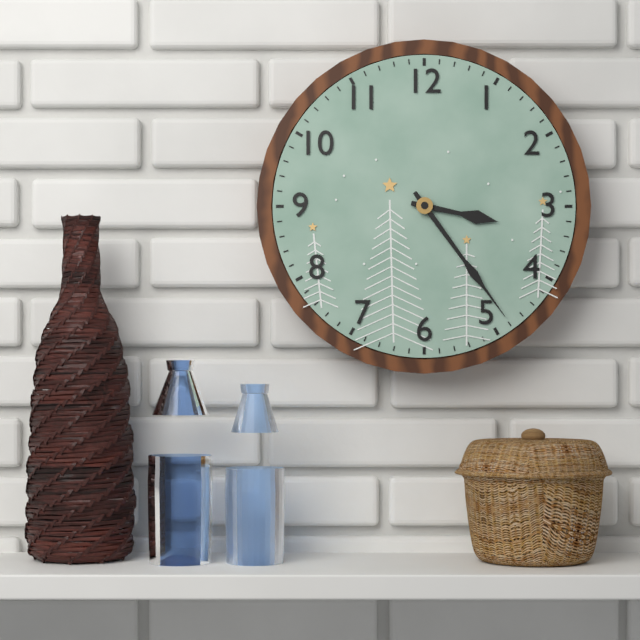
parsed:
3 h 24 min
